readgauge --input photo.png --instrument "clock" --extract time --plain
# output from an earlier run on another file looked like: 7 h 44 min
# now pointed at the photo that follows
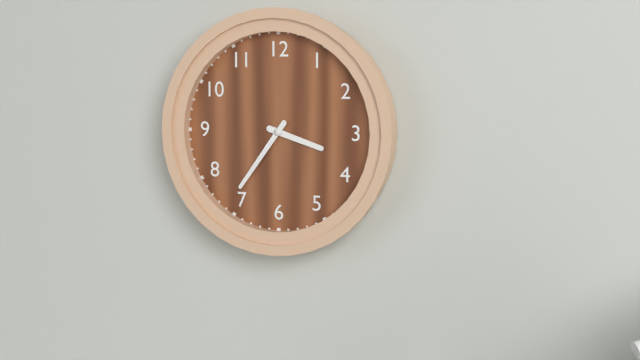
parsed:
3 h 36 min
